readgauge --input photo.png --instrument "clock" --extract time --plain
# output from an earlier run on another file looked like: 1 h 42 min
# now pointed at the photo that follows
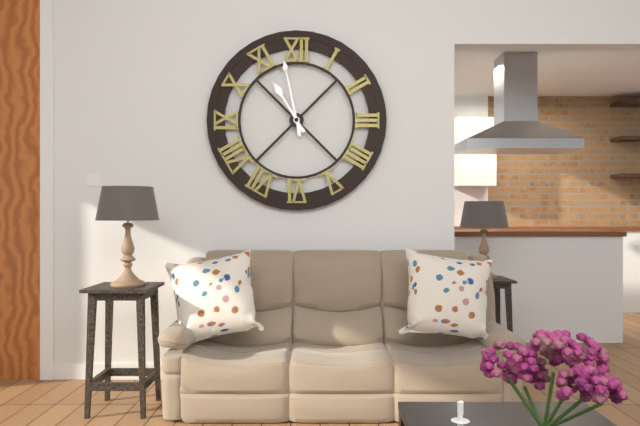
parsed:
10 h 58 min
